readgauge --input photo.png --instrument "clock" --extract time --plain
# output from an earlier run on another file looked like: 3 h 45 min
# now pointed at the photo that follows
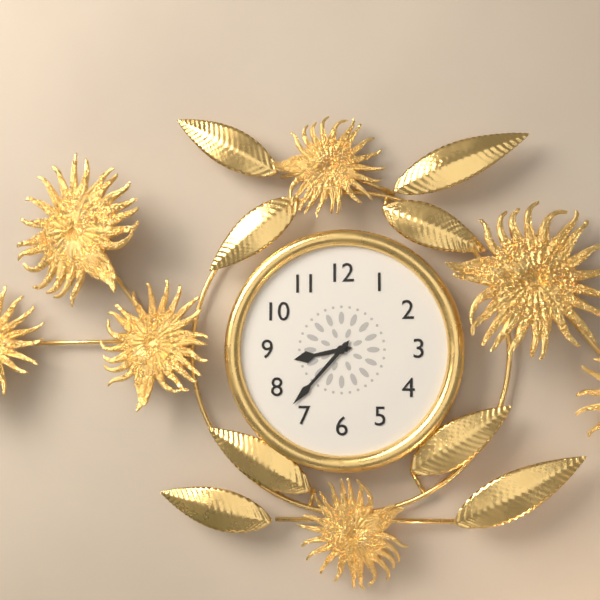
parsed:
8 h 37 min
